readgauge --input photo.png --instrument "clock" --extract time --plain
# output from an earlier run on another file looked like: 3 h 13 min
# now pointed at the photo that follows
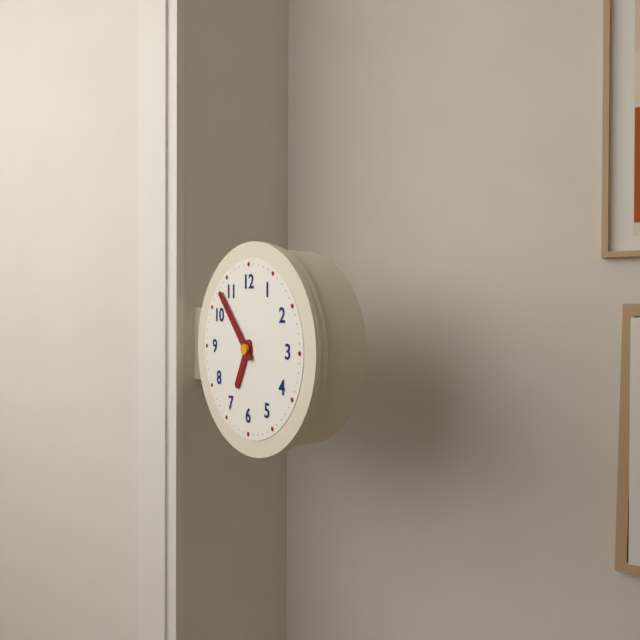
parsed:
6 h 53 min
